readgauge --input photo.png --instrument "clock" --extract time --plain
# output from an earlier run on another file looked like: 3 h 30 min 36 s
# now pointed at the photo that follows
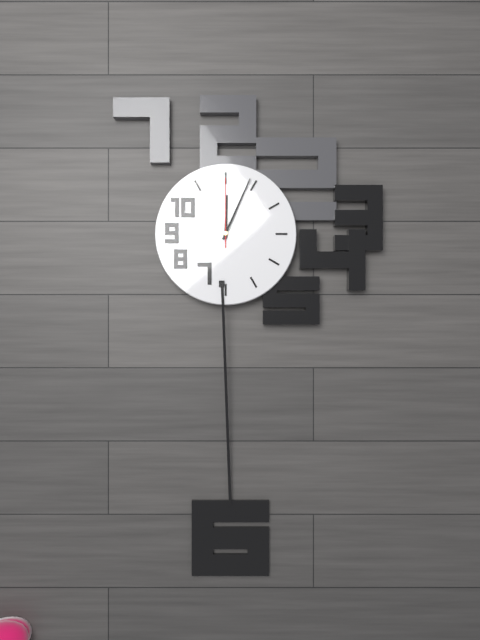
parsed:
12 h 04 min 00 s
